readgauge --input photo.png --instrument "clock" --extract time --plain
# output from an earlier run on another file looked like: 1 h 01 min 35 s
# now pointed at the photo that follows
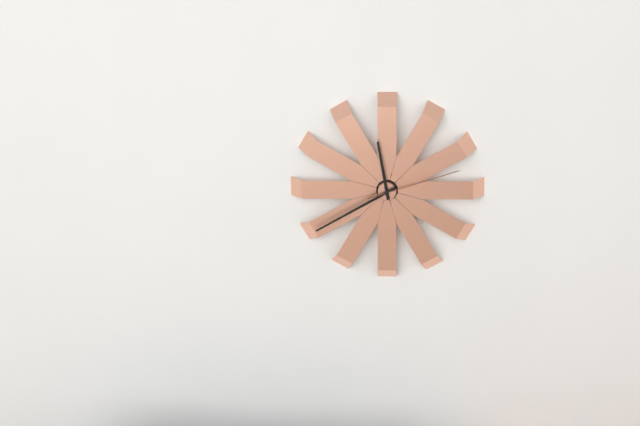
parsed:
11 h 40 min 12 s
